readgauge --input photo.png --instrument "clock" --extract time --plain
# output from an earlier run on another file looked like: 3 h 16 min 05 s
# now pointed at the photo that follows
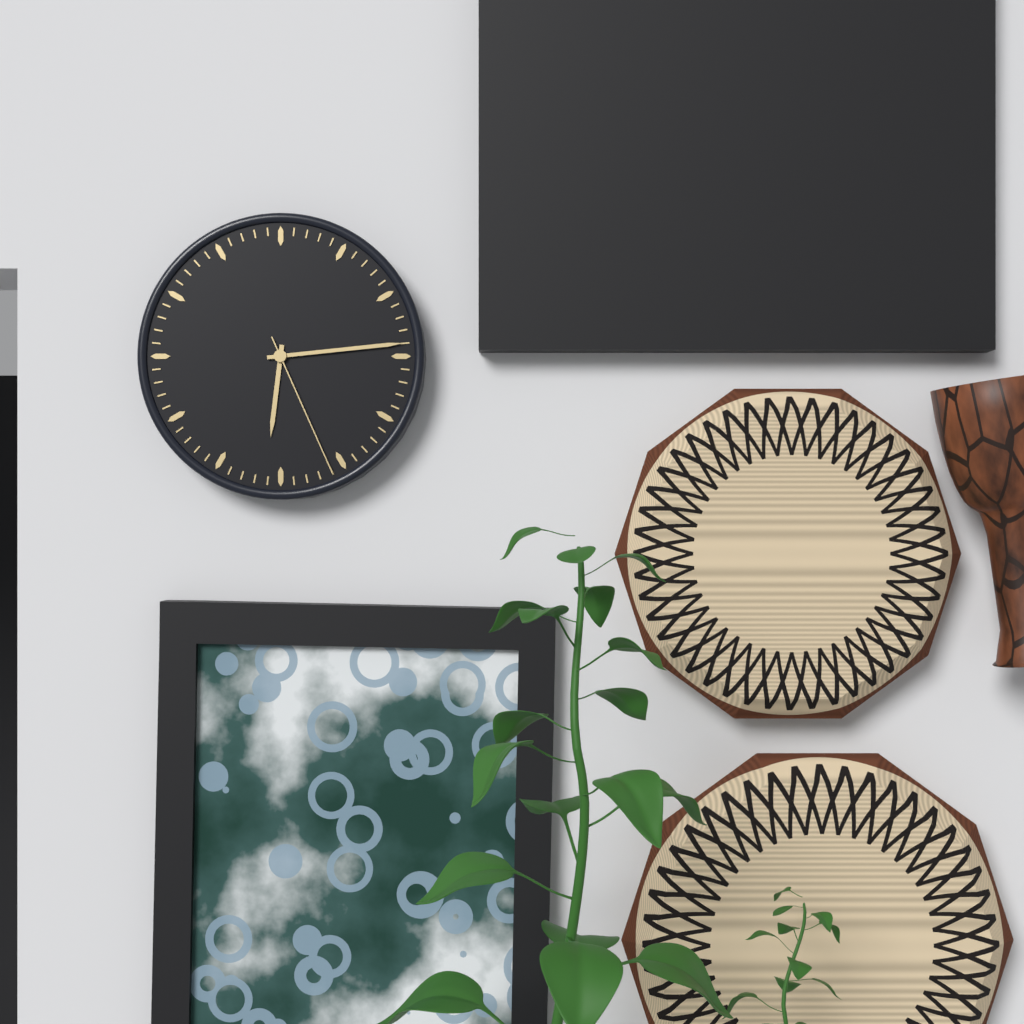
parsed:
6 h 14 min 26 s
